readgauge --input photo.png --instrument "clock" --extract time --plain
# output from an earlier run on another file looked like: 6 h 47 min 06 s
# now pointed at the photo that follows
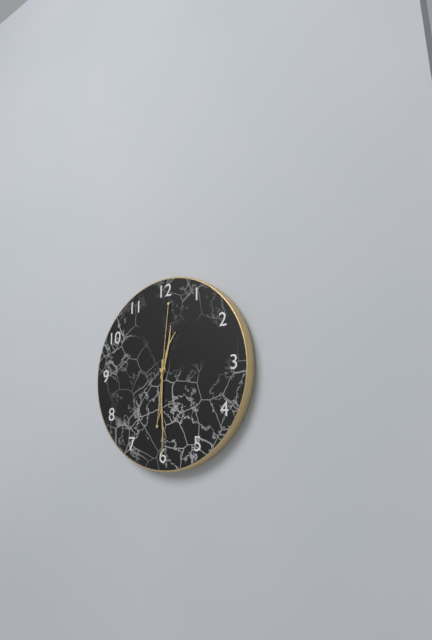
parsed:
12 h 30 min 01 s
